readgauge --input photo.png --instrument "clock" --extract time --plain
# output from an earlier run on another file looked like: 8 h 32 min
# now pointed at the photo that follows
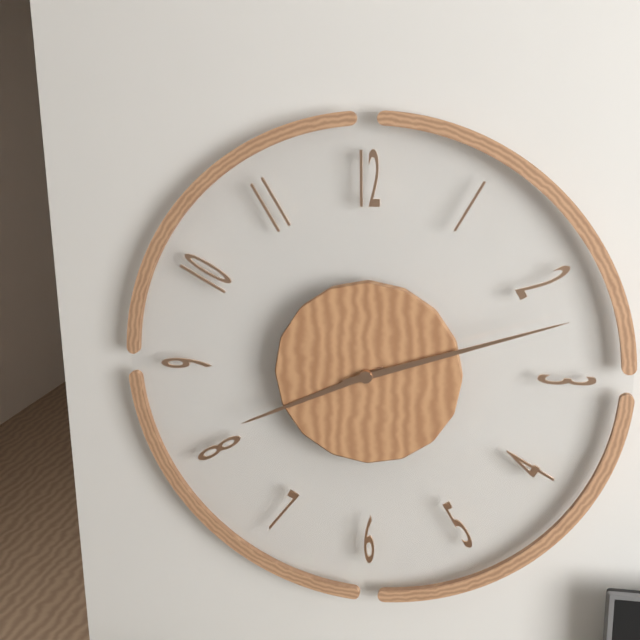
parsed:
8 h 12 min
